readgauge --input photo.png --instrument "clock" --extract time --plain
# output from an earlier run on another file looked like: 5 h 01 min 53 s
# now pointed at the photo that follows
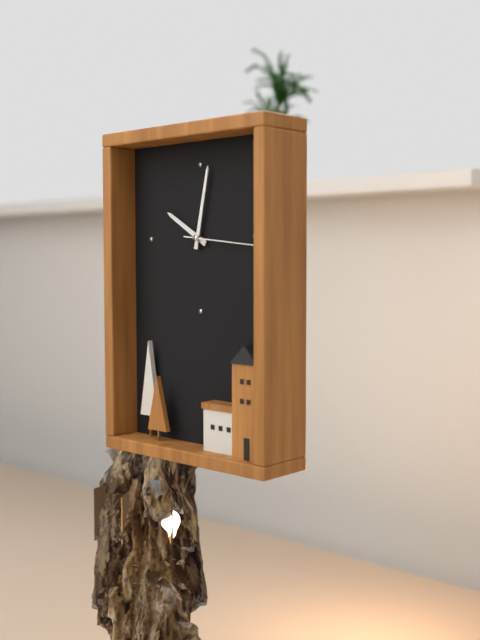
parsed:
10 h 02 min 16 s
